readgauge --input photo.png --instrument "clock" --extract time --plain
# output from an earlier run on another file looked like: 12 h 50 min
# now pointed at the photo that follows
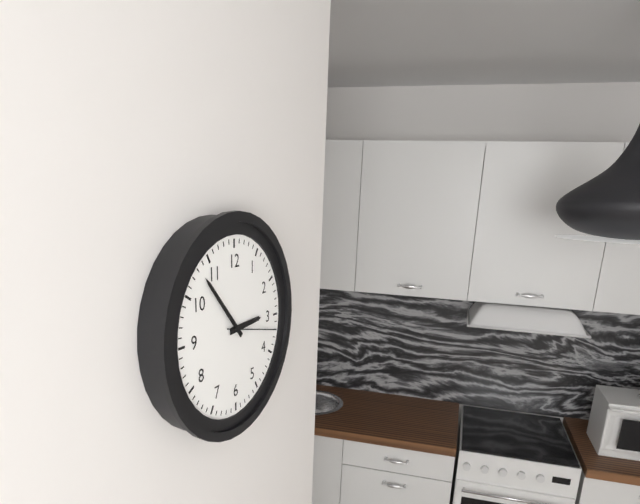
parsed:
2 h 53 min
